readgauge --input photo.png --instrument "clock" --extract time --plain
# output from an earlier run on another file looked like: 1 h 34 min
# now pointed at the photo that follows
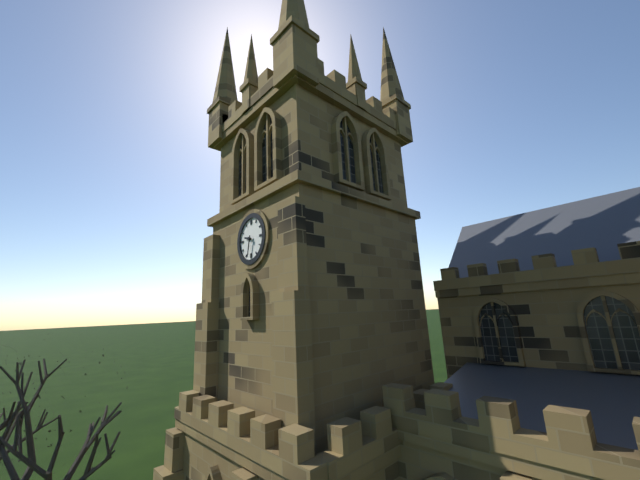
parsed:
9 h 32 min
